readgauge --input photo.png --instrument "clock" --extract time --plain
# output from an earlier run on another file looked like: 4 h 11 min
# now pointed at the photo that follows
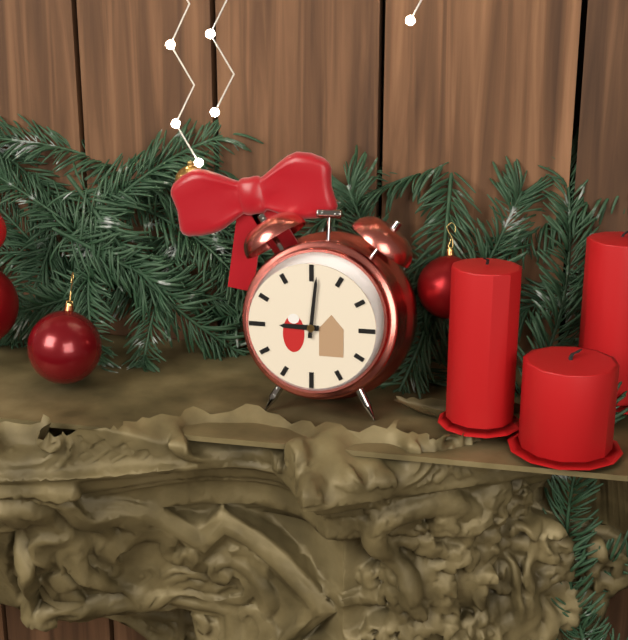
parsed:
9 h 01 min
